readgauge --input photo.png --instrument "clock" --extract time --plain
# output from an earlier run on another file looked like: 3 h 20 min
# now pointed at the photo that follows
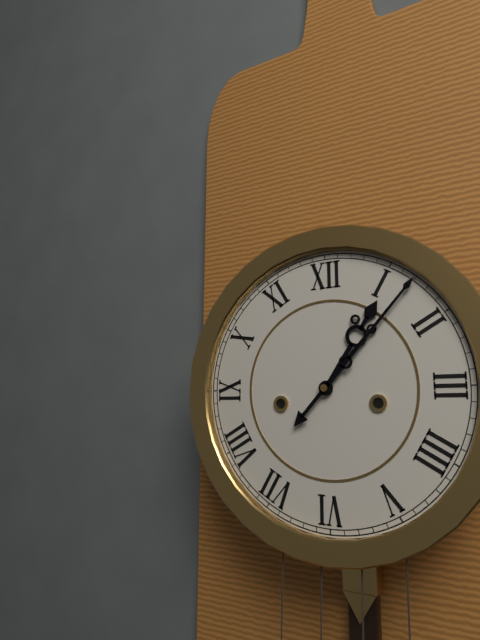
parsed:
1 h 07 min
